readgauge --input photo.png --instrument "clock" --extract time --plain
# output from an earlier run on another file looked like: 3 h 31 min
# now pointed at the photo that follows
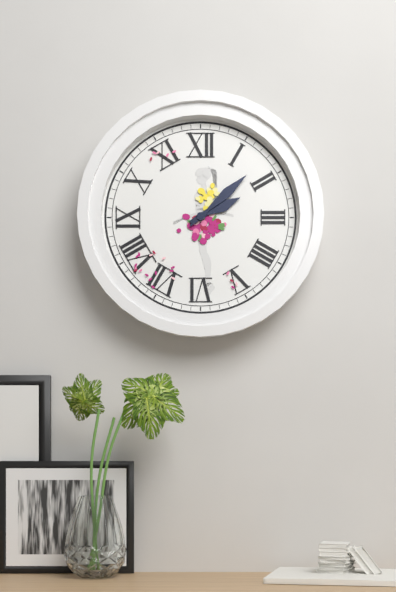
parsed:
2 h 08 min
